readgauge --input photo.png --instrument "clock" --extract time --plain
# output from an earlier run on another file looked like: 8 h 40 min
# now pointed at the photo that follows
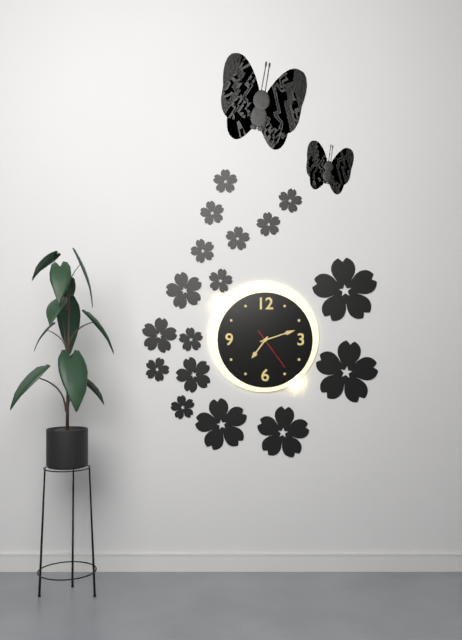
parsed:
7 h 12 min
